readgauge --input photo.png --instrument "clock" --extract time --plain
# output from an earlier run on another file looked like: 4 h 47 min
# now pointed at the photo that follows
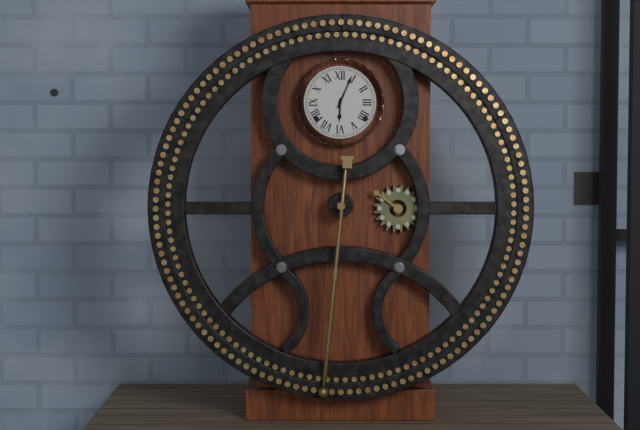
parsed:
6 h 04 min
